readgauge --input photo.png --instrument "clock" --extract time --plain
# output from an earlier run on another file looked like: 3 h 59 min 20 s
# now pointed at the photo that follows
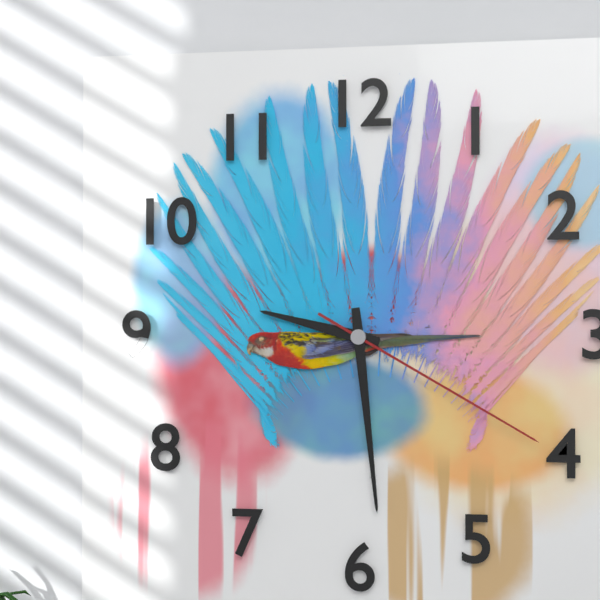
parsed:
9 h 29 min 20 s
